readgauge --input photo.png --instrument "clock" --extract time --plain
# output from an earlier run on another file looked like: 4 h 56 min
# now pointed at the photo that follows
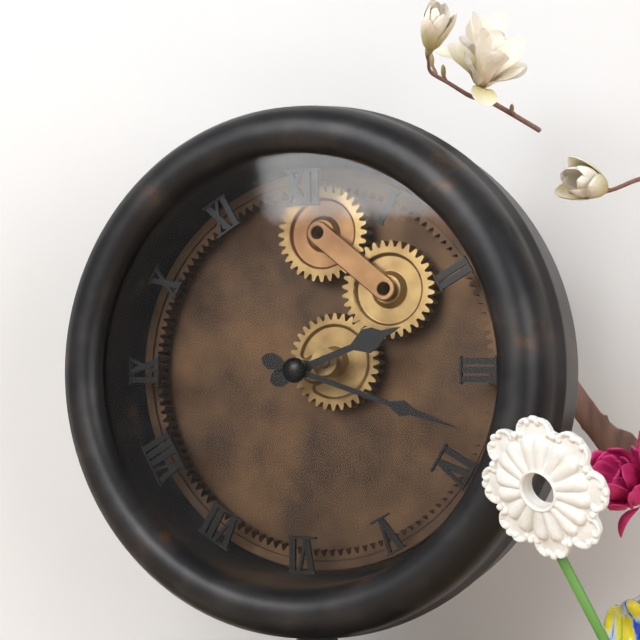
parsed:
2 h 18 min
